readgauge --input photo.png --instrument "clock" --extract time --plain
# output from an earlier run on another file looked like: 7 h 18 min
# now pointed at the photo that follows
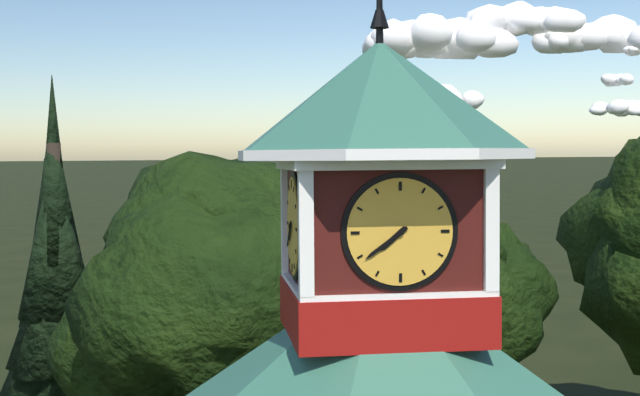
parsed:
7 h 39 min
